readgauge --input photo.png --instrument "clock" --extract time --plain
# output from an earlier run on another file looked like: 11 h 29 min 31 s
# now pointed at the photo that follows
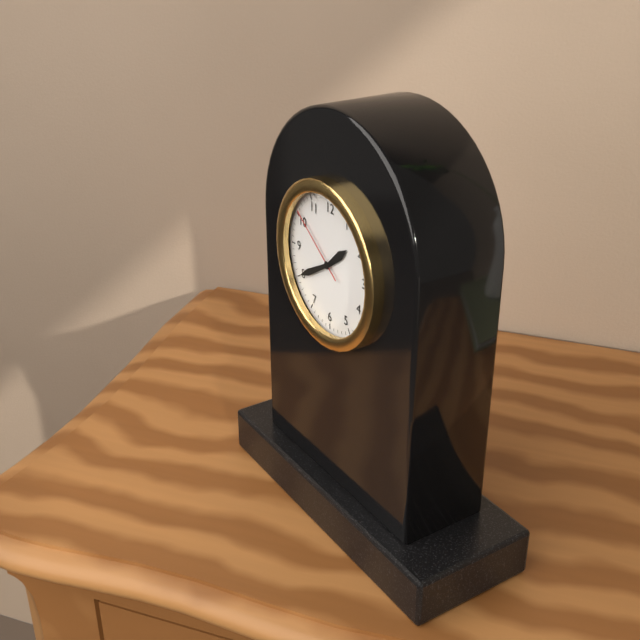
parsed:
1 h 40 min 51 s
